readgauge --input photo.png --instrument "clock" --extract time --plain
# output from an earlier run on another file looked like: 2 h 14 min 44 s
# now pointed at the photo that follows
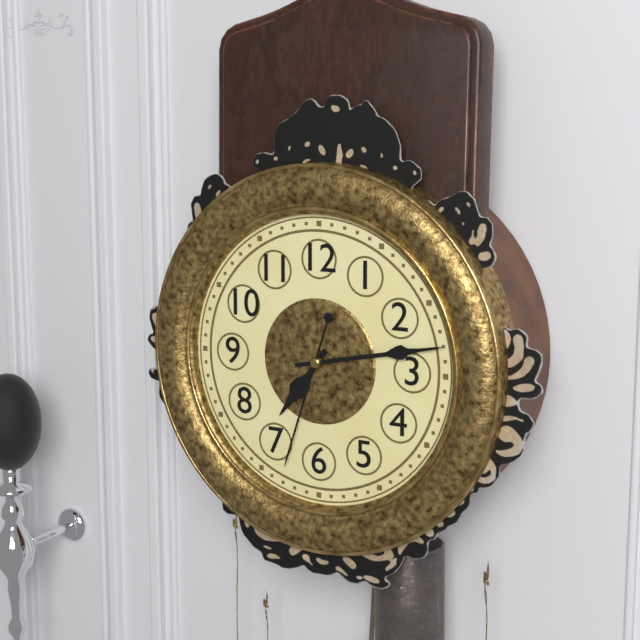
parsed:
7 h 13 min 33 s
